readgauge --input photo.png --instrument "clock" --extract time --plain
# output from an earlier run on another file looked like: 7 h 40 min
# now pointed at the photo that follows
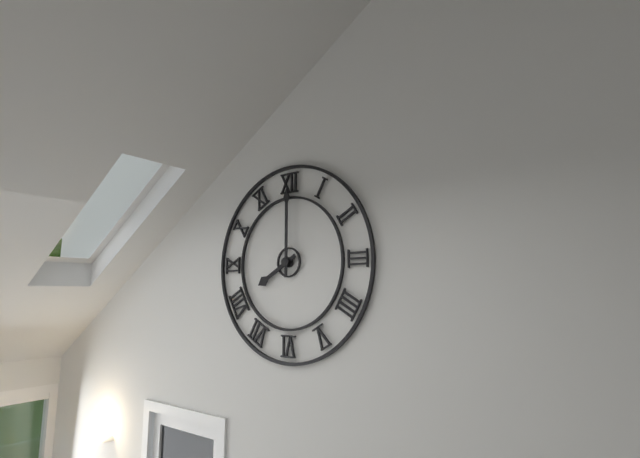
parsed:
8 h 00 min
